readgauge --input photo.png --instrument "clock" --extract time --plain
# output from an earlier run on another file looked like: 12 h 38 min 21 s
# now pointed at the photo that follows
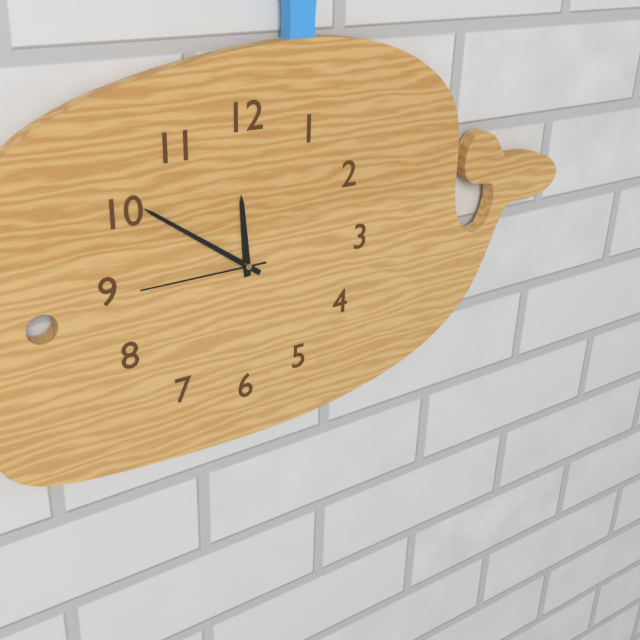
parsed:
11 h 51 min 45 s
